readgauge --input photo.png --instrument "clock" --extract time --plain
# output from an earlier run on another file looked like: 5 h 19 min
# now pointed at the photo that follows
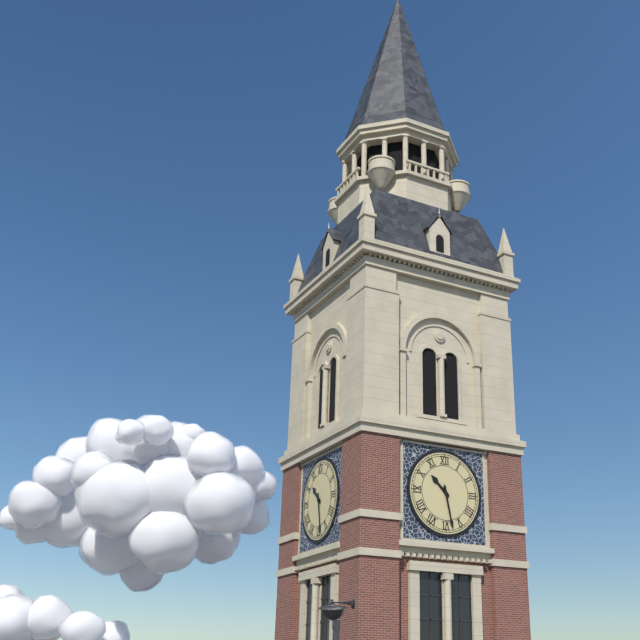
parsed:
10 h 28 min
